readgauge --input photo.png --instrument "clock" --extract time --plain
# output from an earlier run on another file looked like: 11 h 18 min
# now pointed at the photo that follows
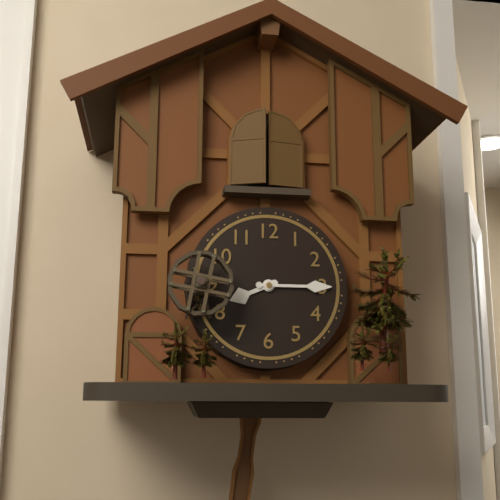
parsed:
8 h 15 min
